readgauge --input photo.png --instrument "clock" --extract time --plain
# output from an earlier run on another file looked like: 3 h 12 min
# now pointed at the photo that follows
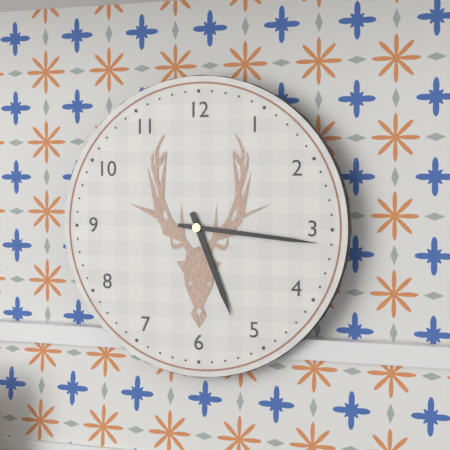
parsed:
5 h 16 min
